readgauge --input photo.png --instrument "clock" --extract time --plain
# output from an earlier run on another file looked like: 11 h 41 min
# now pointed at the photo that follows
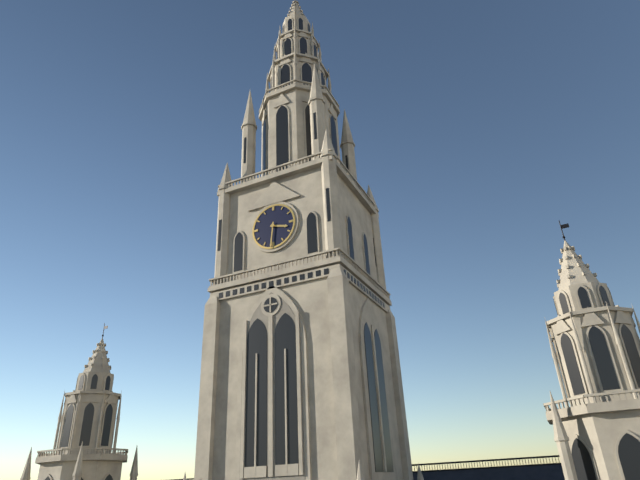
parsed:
3 h 31 min
